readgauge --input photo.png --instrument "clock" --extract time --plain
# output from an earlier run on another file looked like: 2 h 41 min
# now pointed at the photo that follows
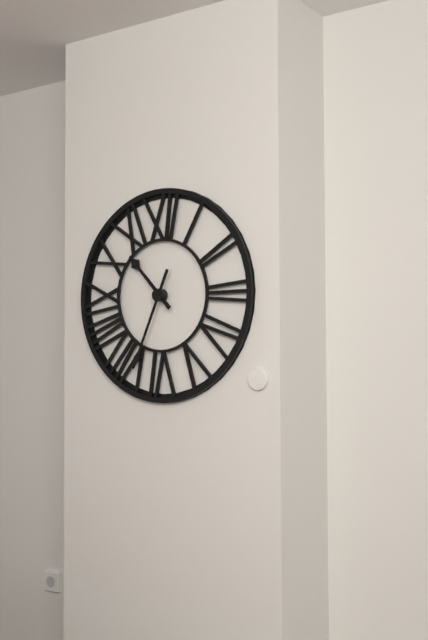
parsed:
10 h 34 min
